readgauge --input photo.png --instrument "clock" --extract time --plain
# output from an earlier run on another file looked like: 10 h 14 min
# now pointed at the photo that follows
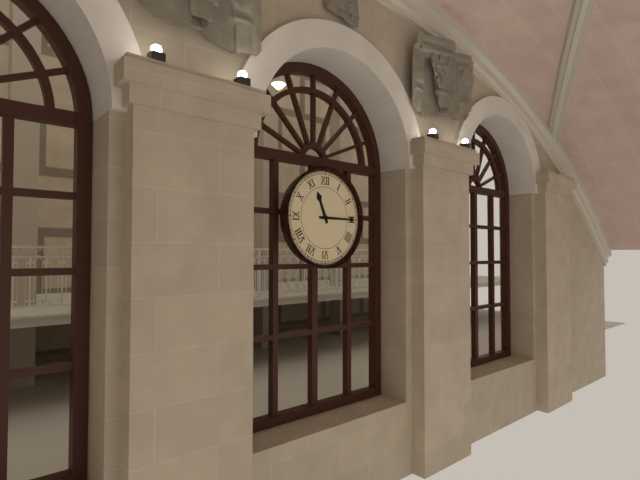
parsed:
11 h 15 min
